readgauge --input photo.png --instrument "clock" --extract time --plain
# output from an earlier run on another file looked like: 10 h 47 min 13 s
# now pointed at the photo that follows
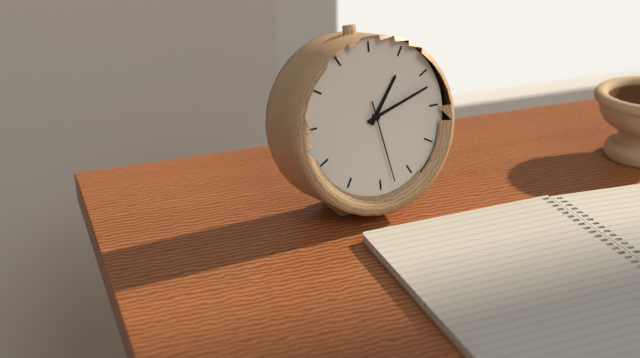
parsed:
1 h 12 min 28 s
